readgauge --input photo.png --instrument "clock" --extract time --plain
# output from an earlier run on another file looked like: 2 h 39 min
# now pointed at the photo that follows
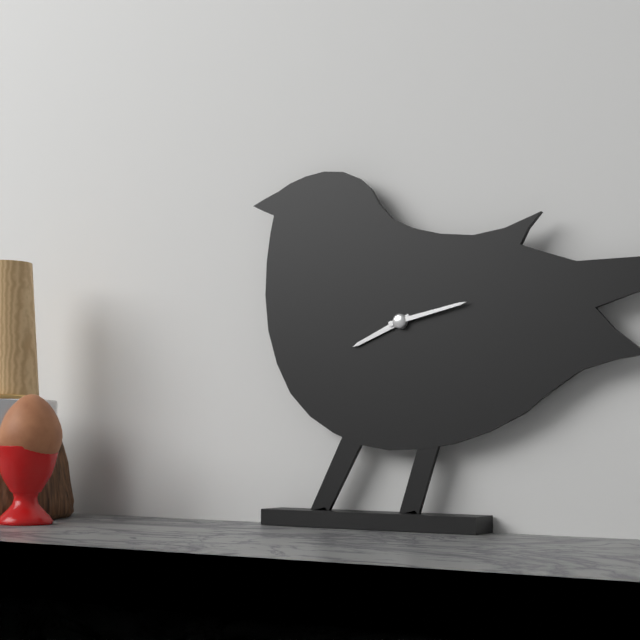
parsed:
8 h 13 min
